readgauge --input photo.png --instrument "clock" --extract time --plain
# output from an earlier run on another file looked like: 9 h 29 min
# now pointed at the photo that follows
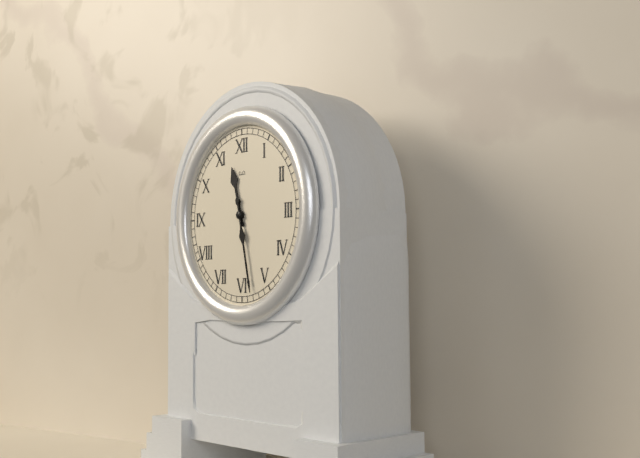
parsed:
11 h 28 min
